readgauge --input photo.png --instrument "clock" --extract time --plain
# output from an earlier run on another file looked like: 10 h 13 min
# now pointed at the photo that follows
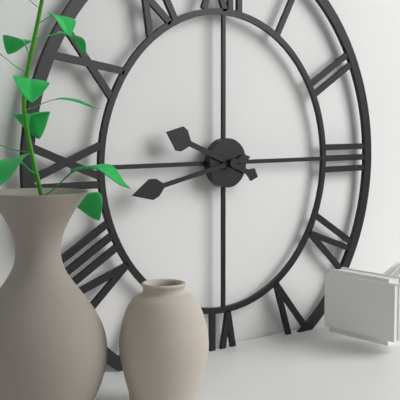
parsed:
9 h 43 min
